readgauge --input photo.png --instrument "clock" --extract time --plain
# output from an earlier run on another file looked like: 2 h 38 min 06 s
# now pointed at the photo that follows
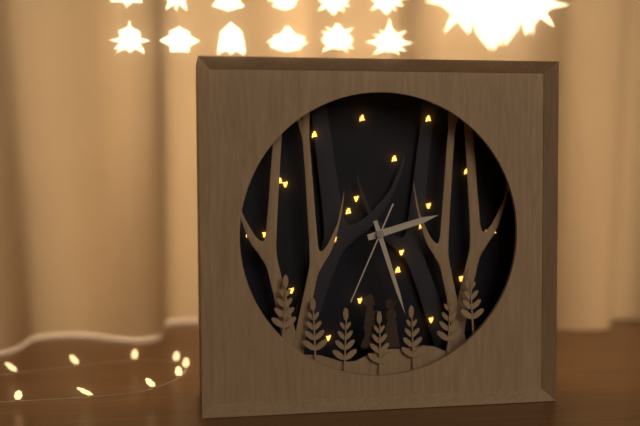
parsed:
2 h 27 min 34 s
